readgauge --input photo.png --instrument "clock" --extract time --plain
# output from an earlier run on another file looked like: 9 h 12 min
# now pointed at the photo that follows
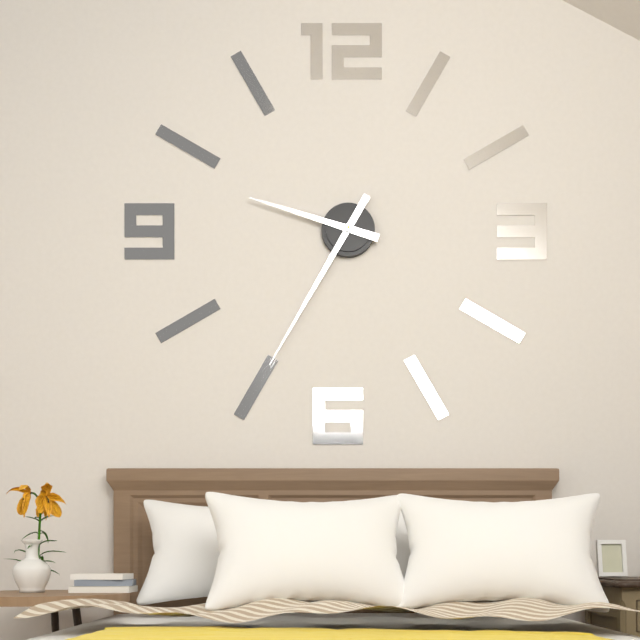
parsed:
9 h 35 min
